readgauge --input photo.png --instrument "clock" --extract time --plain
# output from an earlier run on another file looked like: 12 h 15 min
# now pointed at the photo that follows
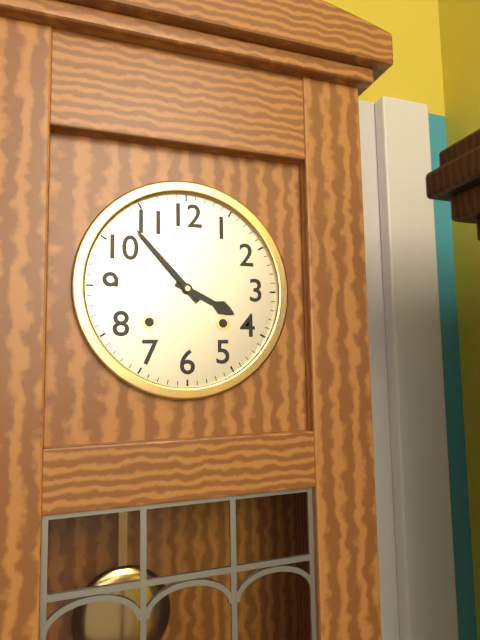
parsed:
3 h 53 min
